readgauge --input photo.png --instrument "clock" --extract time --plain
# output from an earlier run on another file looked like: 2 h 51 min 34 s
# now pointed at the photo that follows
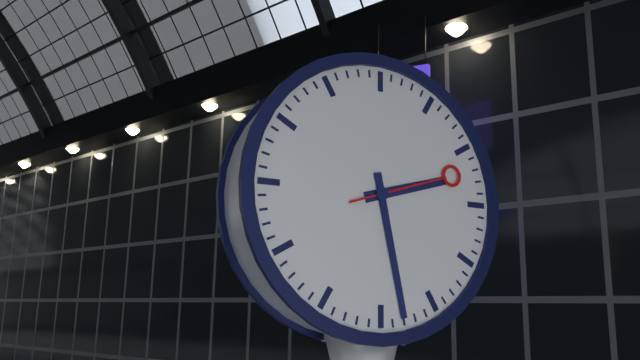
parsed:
2 h 28 min 12 s
